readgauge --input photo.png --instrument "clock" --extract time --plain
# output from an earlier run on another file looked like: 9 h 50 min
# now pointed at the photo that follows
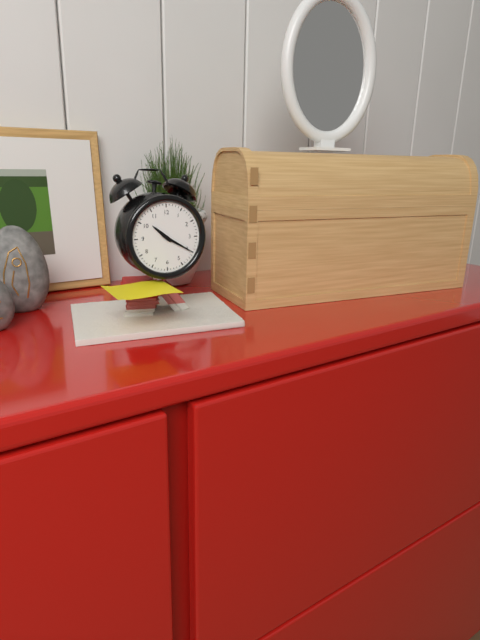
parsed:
10 h 20 min
